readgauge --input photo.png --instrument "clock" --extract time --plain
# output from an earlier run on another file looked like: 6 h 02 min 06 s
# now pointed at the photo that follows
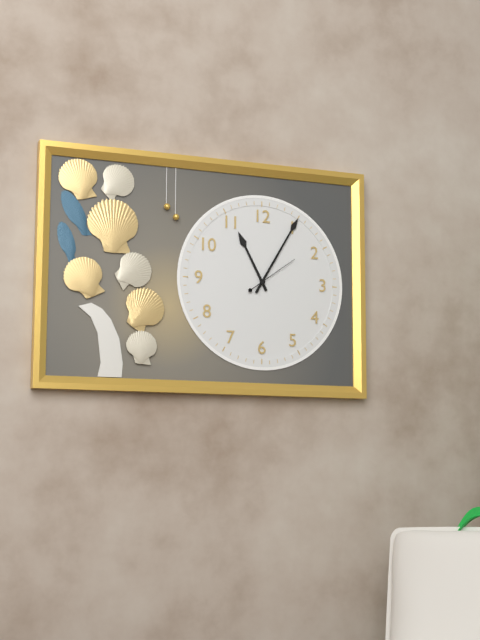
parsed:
11 h 05 min 09 s
